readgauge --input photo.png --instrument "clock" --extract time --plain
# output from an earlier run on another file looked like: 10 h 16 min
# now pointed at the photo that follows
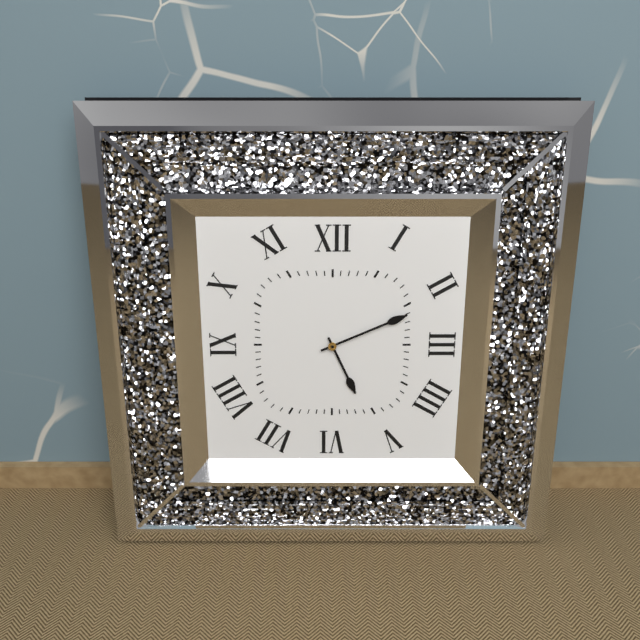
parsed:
5 h 11 min
